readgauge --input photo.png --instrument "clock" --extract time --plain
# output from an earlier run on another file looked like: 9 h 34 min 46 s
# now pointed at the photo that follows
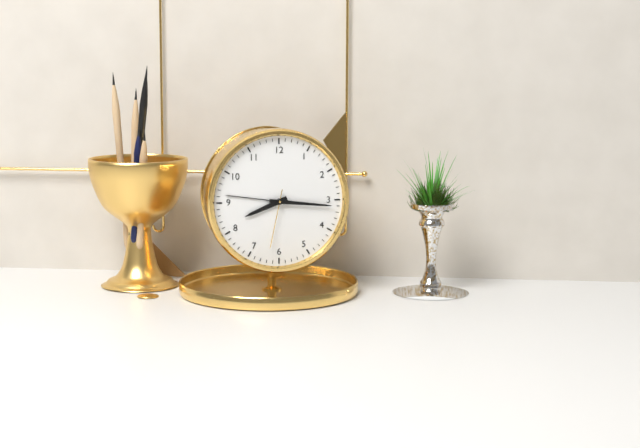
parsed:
8 h 16 min 32 s
